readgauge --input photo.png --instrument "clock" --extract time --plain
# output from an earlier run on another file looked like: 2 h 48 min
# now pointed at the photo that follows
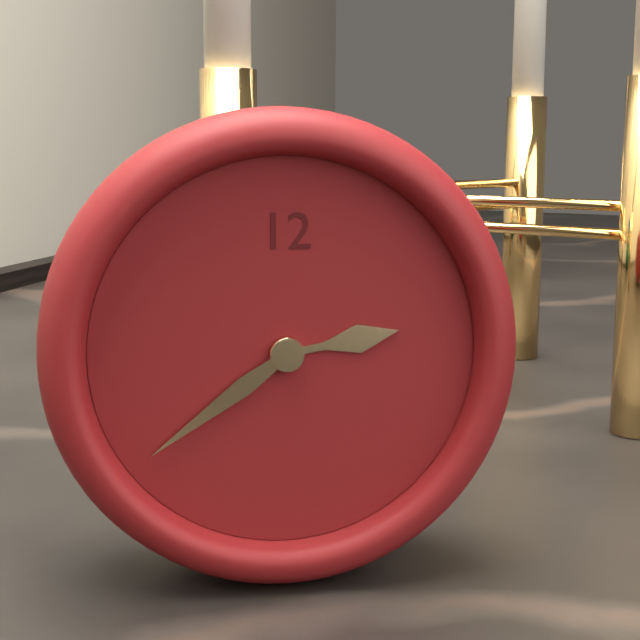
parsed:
2 h 39 min
